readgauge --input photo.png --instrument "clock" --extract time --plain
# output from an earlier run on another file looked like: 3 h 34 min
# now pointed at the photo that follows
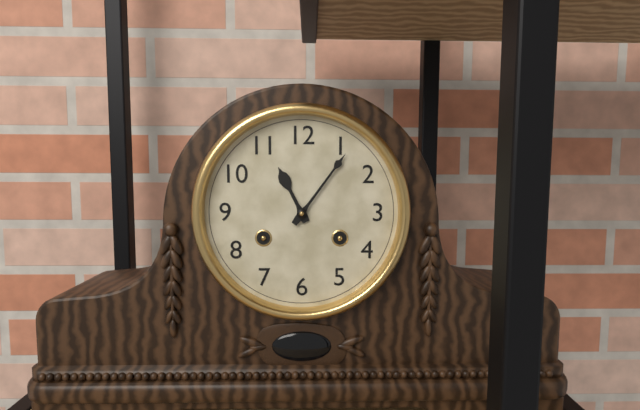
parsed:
11 h 06 min
